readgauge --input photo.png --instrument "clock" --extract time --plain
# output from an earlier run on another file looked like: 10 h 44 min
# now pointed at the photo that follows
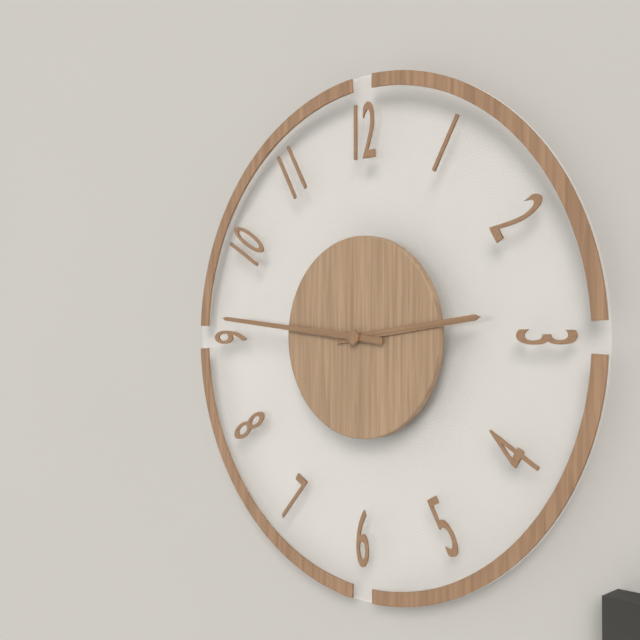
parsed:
2 h 46 min
